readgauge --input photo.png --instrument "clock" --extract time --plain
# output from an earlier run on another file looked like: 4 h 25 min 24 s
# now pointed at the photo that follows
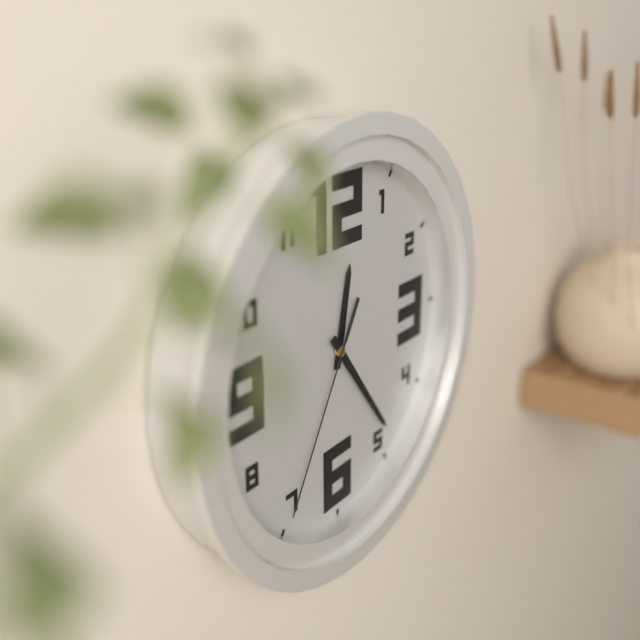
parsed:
12 h 24 min 35 s
